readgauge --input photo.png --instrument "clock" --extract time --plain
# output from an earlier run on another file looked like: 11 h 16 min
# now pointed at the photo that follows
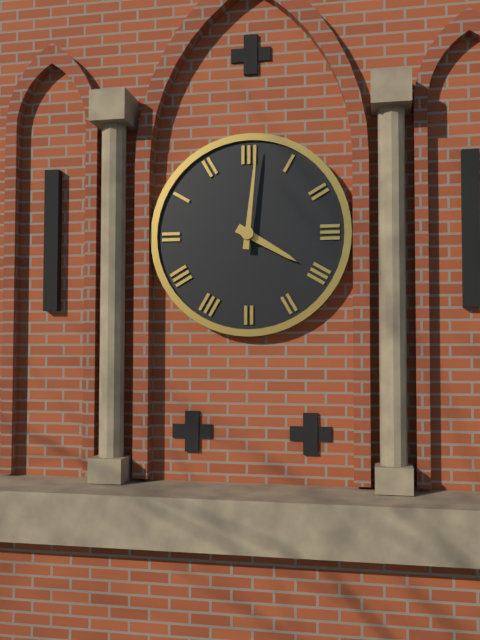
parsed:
4 h 01 min
